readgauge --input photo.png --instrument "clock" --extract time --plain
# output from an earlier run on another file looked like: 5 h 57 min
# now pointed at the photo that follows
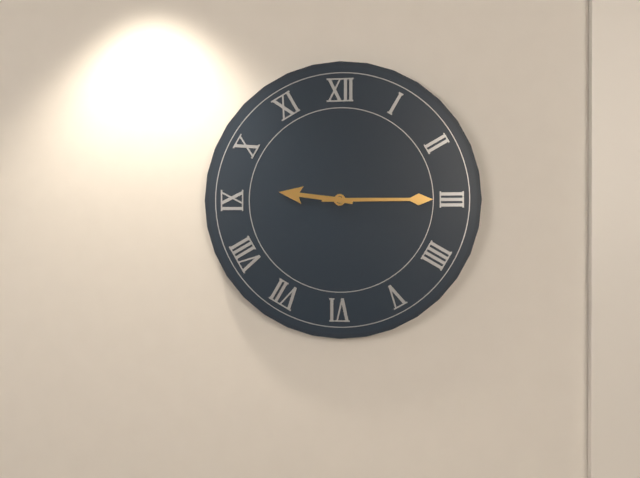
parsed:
9 h 15 min
